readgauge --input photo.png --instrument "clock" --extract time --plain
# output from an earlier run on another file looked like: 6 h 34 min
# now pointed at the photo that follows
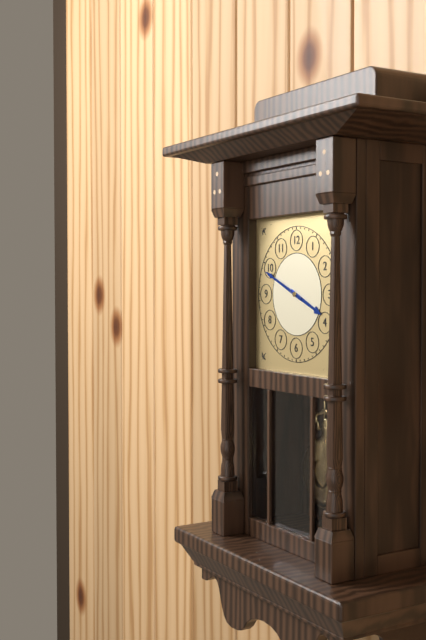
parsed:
3 h 49 min
